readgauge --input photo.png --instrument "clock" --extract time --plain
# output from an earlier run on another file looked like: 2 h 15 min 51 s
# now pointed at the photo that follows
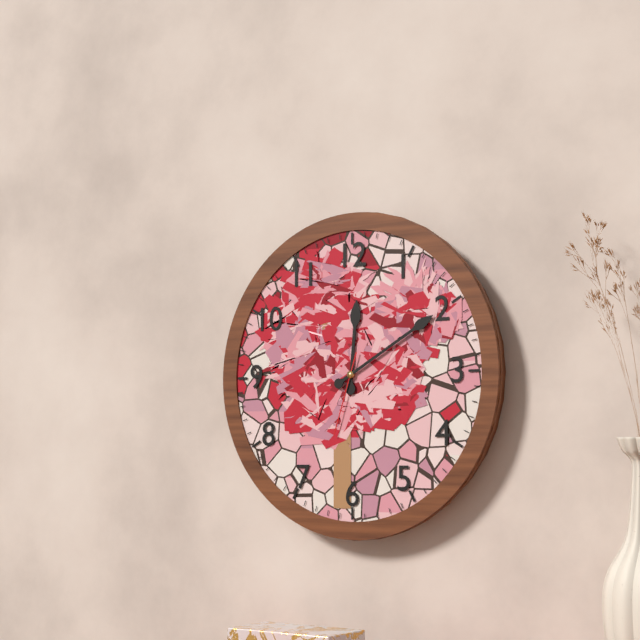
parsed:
12 h 10 min 33 s
